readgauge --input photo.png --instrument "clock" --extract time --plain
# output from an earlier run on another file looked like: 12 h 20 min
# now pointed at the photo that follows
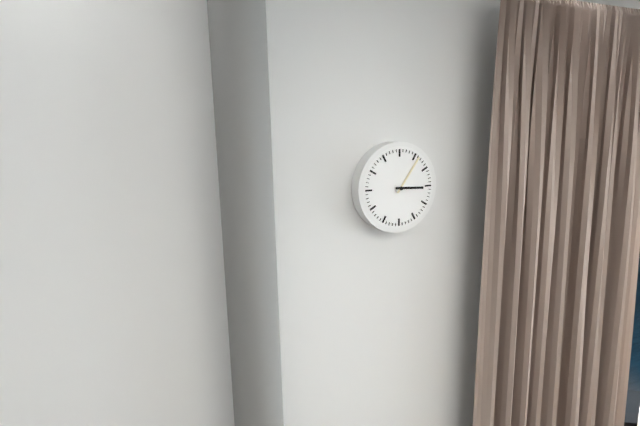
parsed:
3 h 06 min
